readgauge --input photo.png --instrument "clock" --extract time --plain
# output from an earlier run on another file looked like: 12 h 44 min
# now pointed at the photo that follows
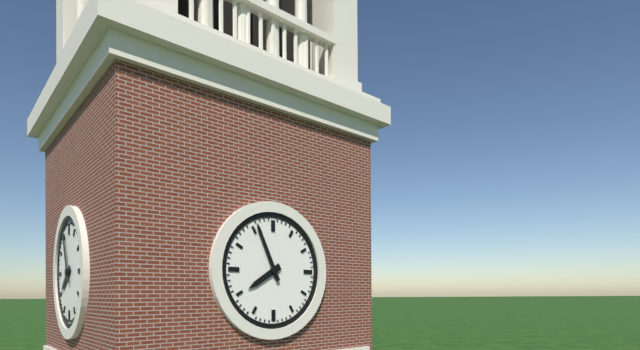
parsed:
7 h 56 min
